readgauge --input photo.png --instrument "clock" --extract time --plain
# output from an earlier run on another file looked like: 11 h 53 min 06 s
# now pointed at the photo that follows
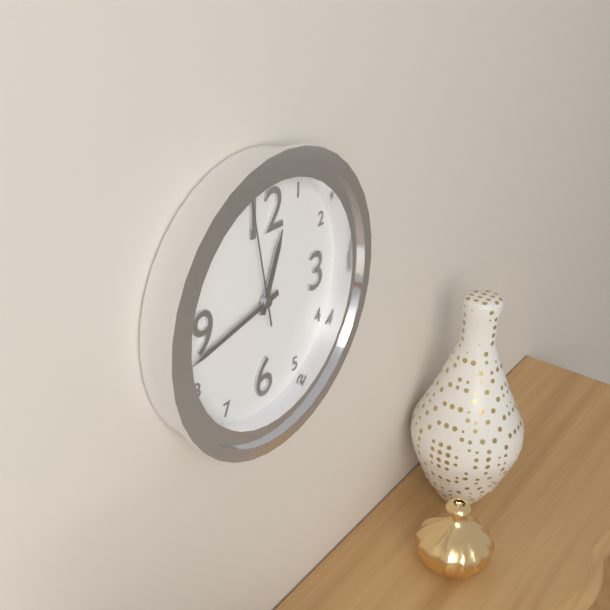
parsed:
12 h 43 min 58 s
